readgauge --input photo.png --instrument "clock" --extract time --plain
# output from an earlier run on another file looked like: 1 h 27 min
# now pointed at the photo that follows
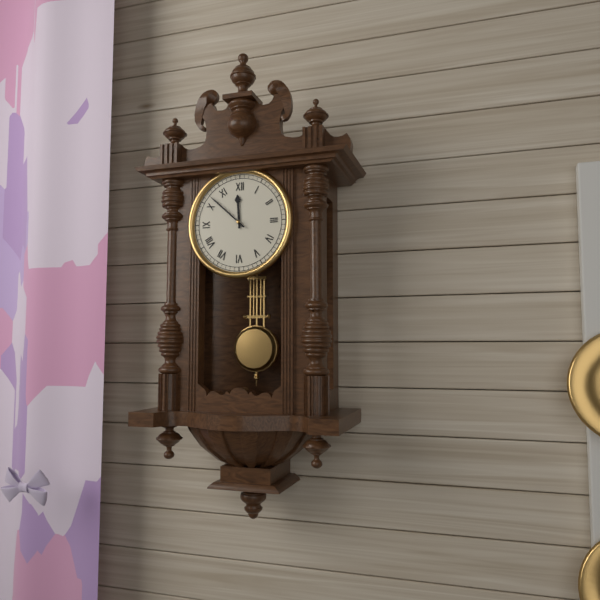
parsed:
11 h 52 min
